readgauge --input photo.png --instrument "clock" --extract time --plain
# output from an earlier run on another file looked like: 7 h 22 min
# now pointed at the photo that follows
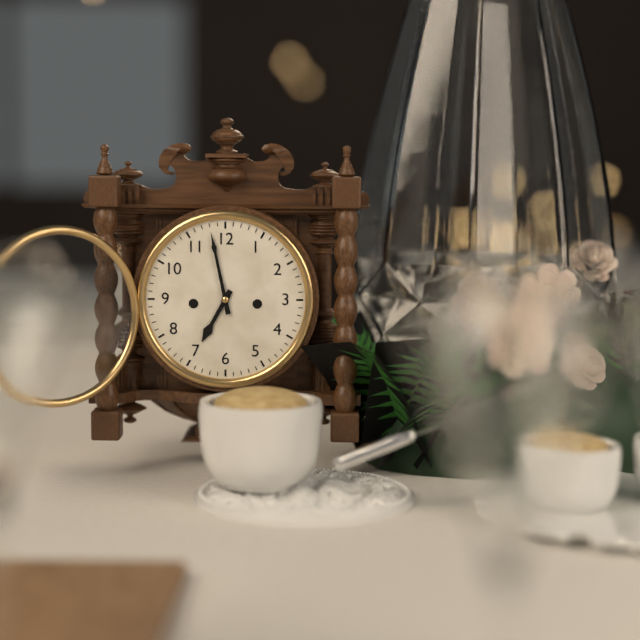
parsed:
6 h 58 min
